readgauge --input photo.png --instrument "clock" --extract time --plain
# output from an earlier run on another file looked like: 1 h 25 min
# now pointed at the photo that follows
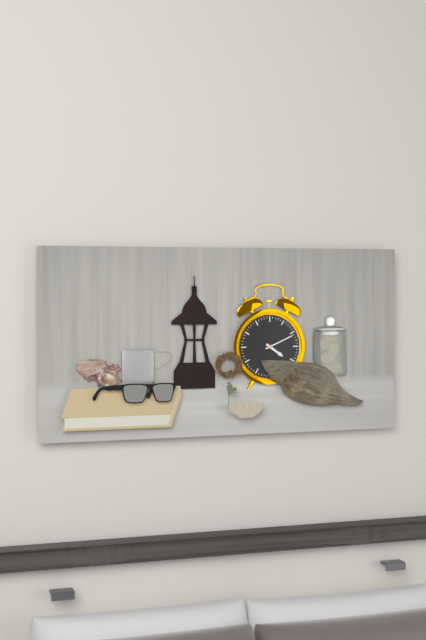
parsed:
4 h 11 min
